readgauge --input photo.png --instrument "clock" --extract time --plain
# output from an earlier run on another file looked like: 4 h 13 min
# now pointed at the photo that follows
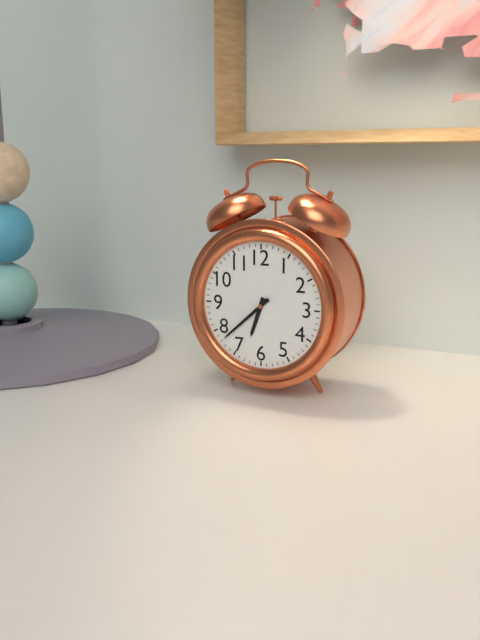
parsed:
6 h 38 min
